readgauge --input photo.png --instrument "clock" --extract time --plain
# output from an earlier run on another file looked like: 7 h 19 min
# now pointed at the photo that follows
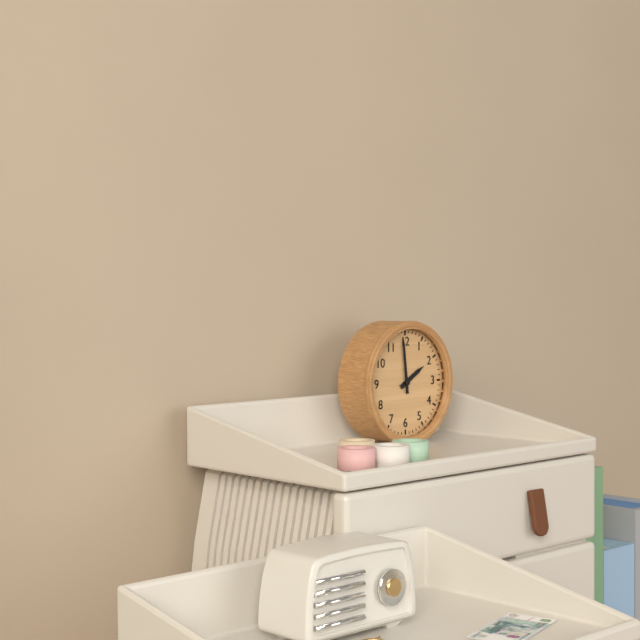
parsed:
1 h 59 min
